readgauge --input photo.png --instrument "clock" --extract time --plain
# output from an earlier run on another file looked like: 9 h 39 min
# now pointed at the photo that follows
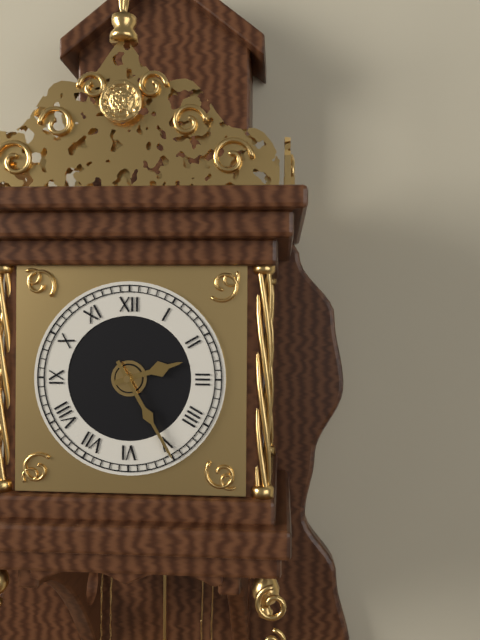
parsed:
2 h 25 min
